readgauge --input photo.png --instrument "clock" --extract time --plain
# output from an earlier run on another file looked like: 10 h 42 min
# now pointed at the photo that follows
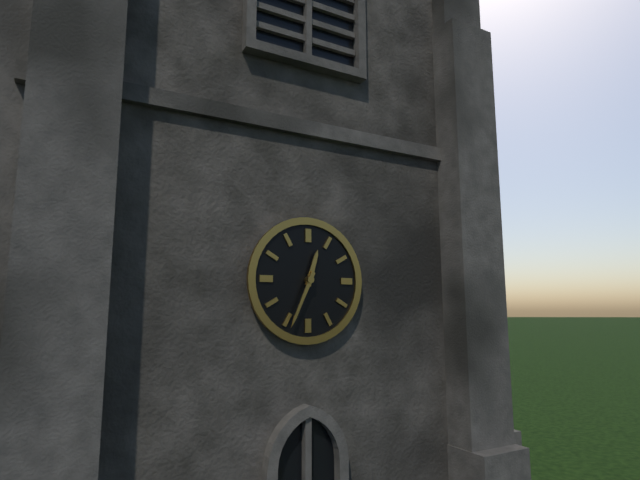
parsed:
12 h 34 min
